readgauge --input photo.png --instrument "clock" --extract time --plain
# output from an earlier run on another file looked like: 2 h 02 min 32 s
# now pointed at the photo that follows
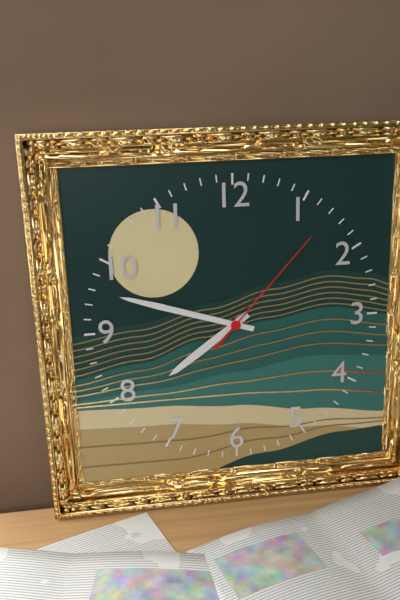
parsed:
7 h 48 min 07 s
